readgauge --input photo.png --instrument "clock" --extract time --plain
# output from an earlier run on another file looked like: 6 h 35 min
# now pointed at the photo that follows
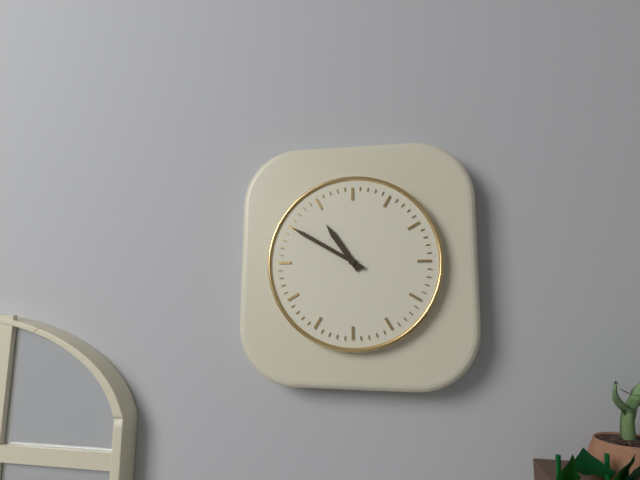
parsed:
10 h 50 min
